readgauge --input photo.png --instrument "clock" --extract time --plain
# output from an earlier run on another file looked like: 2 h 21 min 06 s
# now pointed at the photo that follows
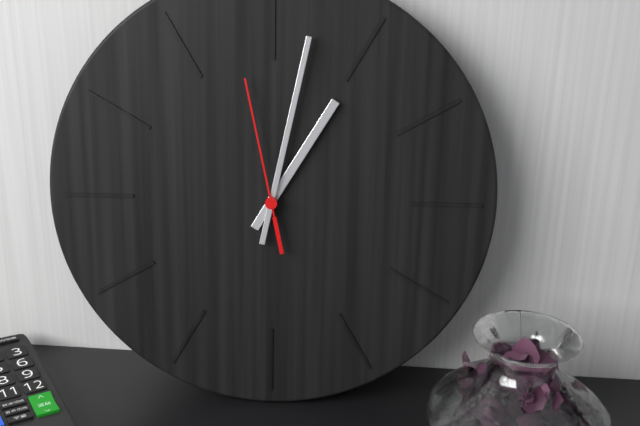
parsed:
1 h 02 min 58 s
